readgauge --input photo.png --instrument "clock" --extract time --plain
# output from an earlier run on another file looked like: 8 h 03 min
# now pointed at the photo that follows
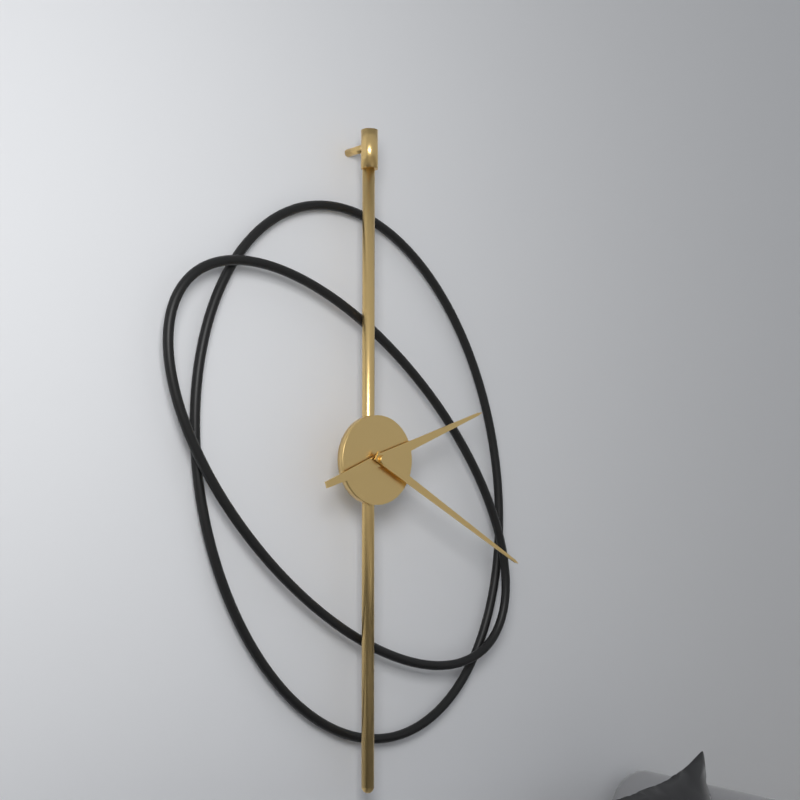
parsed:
2 h 20 min
